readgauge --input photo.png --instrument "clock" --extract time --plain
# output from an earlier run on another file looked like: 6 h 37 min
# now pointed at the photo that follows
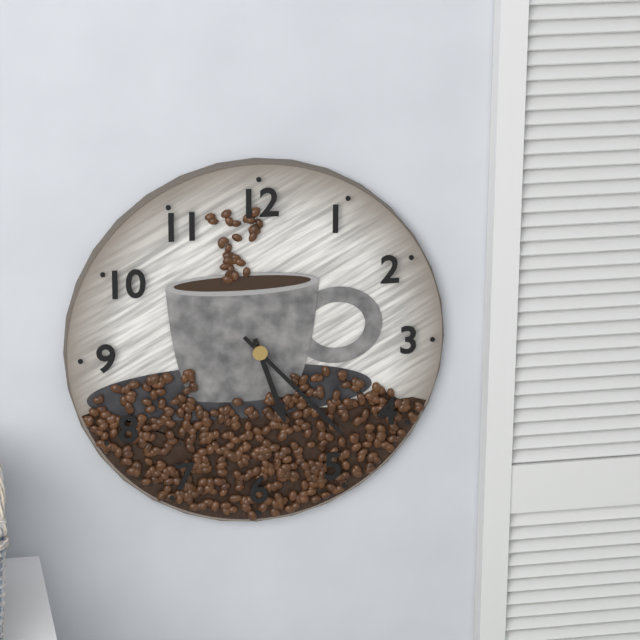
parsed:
5 h 23 min
